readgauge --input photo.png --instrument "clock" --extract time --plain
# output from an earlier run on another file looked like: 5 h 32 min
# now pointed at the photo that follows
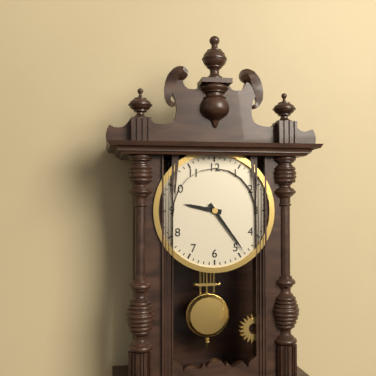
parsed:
9 h 24 min
